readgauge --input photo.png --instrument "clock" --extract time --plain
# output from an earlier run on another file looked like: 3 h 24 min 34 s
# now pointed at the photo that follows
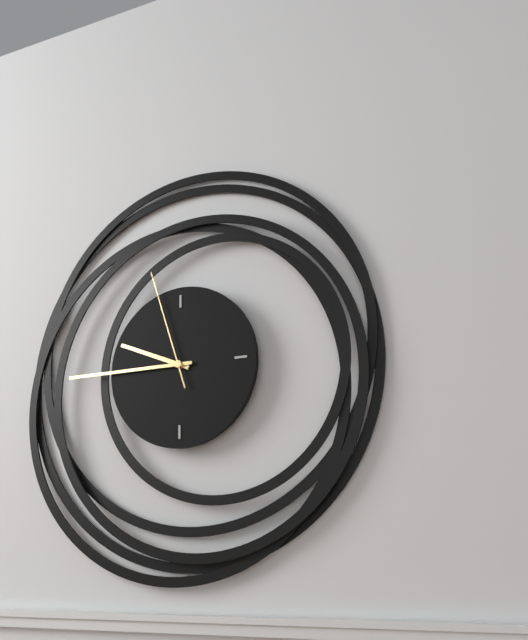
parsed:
9 h 45 min 57 s
